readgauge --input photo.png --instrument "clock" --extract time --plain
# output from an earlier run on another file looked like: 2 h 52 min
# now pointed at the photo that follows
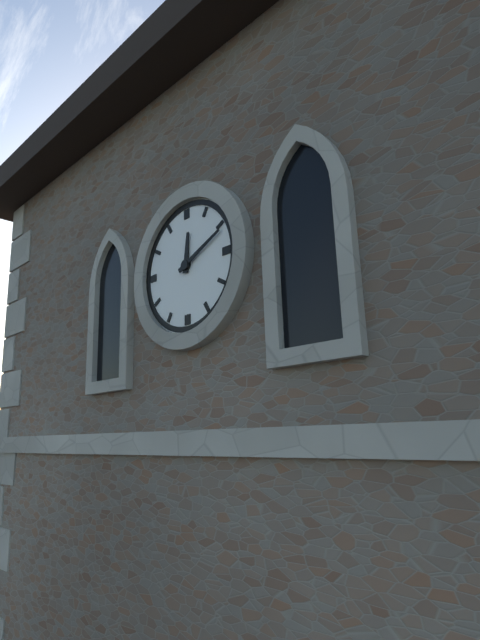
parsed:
12 h 11 min
